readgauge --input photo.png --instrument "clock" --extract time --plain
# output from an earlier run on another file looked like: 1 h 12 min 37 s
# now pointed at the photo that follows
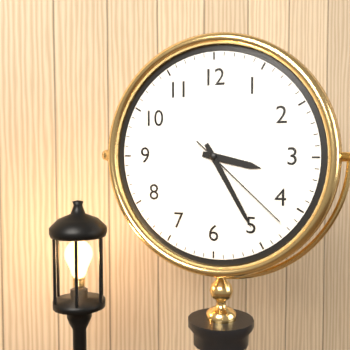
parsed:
3 h 25 min 22 s
